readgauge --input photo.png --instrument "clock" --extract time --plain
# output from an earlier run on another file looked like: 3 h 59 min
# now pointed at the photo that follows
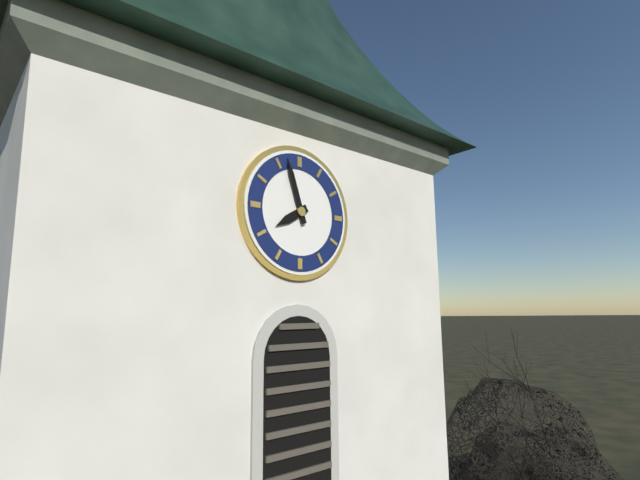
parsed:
7 h 57 min
